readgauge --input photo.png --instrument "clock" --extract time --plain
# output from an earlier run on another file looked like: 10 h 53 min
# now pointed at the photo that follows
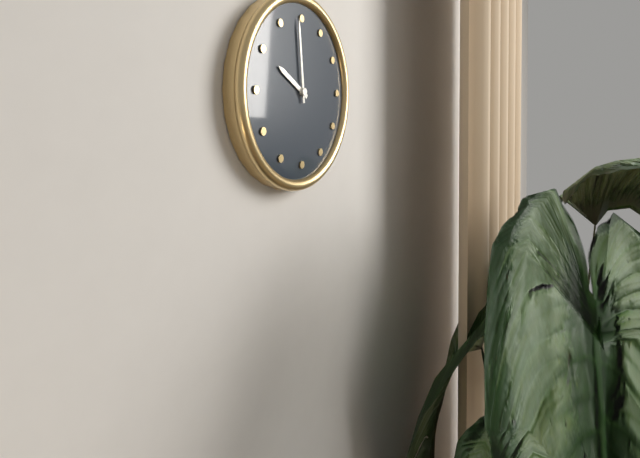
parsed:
9 h 59 min
